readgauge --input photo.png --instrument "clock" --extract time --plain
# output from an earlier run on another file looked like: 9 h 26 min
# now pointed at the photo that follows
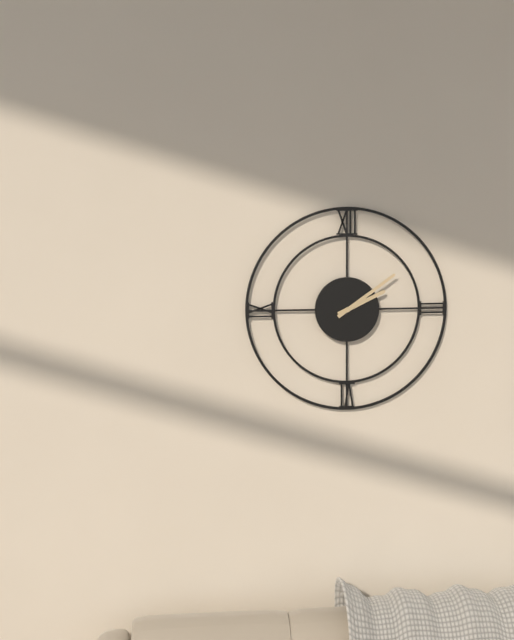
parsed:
2 h 09 min
